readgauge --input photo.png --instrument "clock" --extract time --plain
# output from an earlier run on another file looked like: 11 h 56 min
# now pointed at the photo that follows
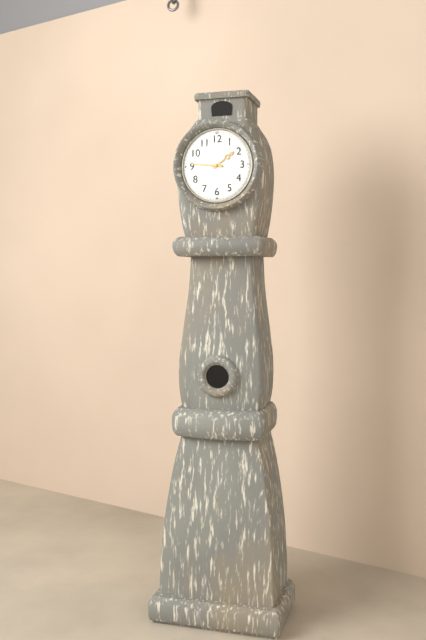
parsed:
1 h 46 min
